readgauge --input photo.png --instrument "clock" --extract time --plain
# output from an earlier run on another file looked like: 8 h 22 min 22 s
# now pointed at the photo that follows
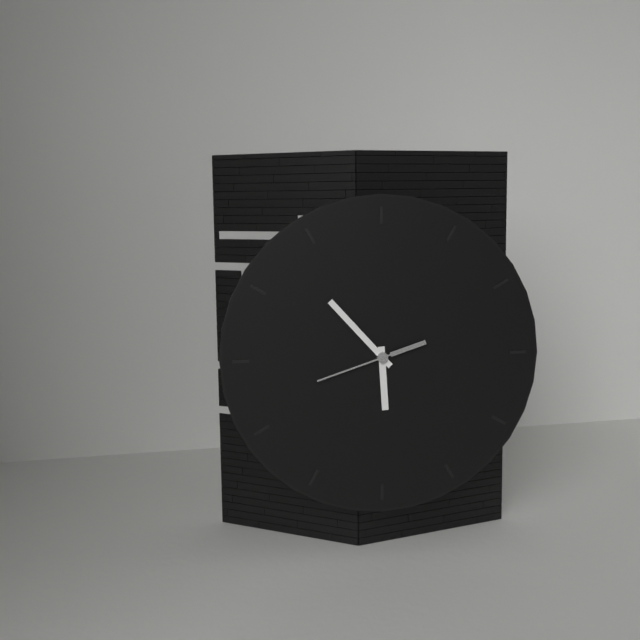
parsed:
5 h 53 min 42 s
